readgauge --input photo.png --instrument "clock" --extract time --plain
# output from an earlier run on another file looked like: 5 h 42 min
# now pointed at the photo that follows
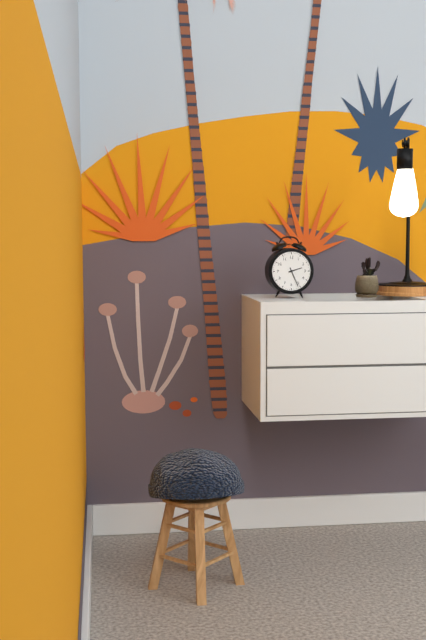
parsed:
2 h 26 min
